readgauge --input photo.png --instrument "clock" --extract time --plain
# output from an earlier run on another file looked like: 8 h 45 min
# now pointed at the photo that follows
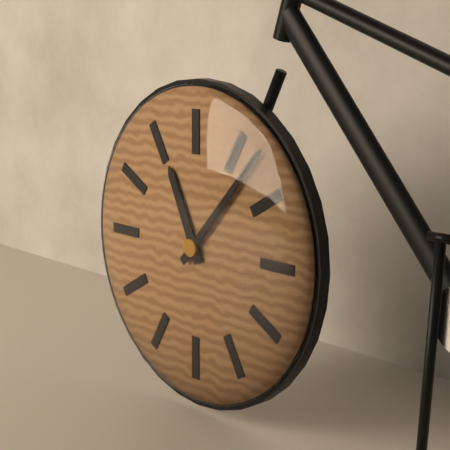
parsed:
11 h 07 min
